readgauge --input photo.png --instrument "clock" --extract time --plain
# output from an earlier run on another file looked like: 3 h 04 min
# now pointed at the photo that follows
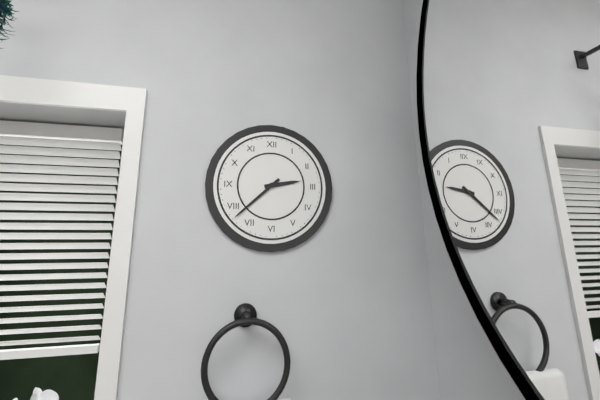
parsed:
2 h 38 min
